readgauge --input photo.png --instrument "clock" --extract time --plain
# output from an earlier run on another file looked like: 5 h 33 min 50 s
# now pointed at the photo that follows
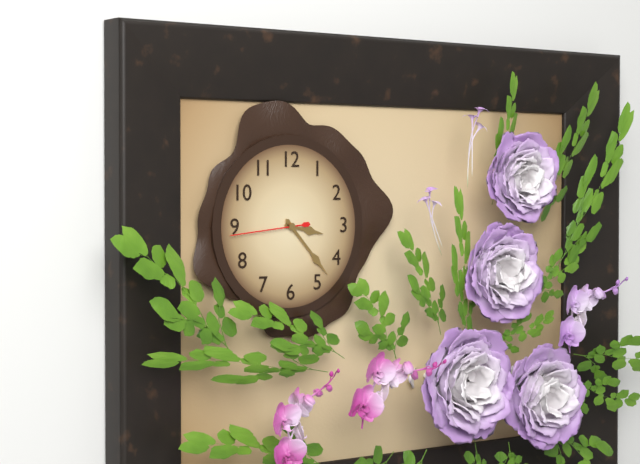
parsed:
3 h 23 min 44 s
